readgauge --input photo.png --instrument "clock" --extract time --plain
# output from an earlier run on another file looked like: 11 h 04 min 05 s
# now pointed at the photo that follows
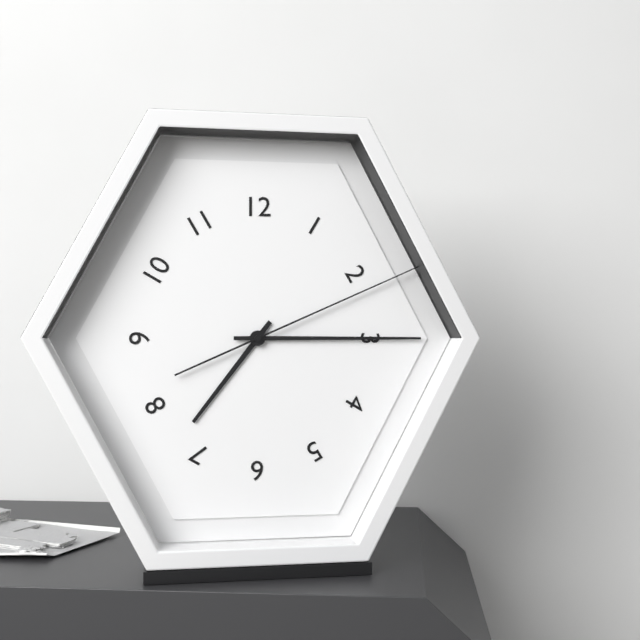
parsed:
7 h 15 min 11 s
